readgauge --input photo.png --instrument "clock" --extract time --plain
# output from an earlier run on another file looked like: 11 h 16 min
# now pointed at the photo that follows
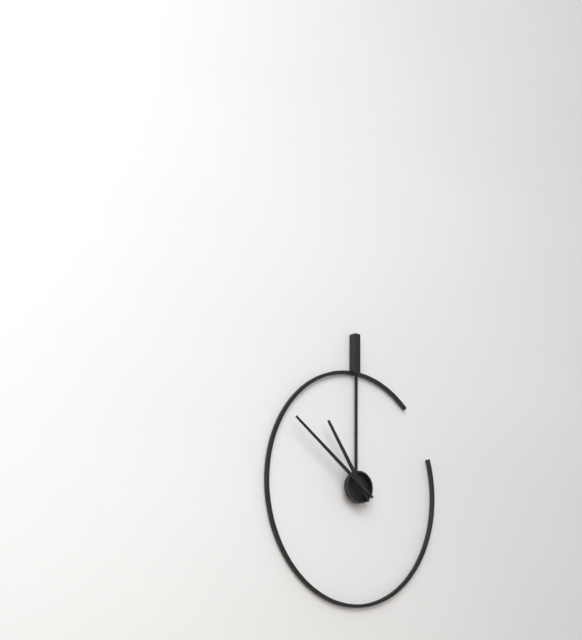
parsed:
10 h 51 min
